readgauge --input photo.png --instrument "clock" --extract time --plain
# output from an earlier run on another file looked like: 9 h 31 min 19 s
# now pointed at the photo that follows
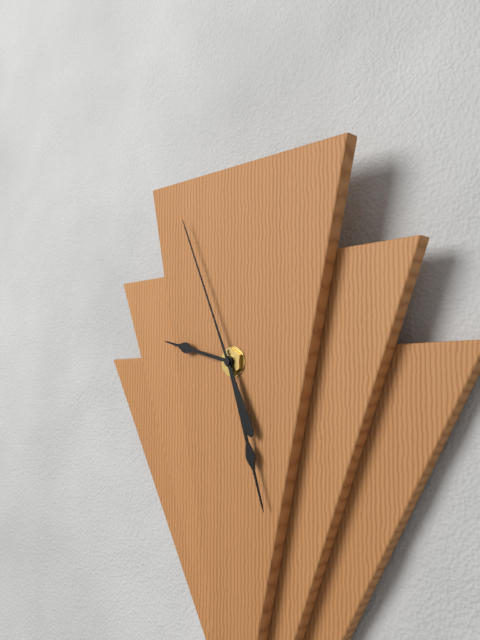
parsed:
9 h 27 min 56 s
